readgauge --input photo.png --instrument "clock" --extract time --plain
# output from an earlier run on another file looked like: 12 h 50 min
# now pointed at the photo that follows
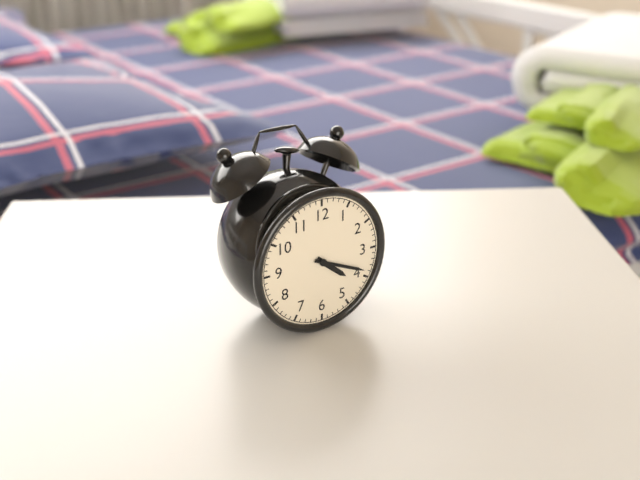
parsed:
4 h 19 min
